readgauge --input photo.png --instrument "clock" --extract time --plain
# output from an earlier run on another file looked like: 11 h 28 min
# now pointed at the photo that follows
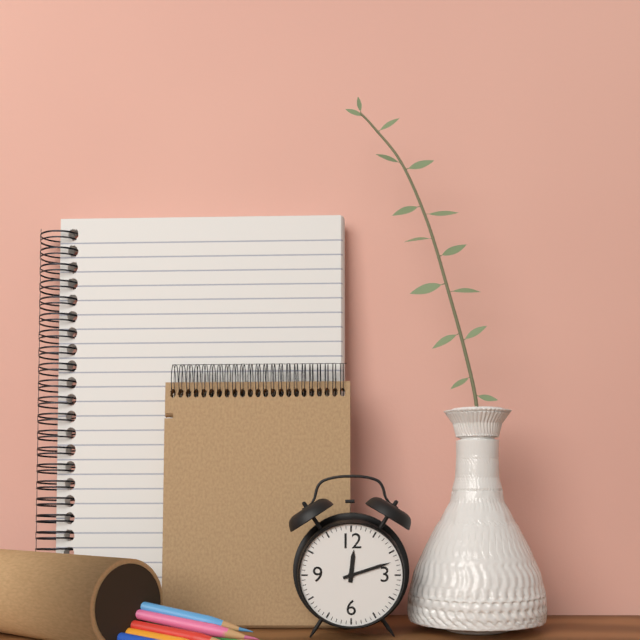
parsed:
12 h 12 min
